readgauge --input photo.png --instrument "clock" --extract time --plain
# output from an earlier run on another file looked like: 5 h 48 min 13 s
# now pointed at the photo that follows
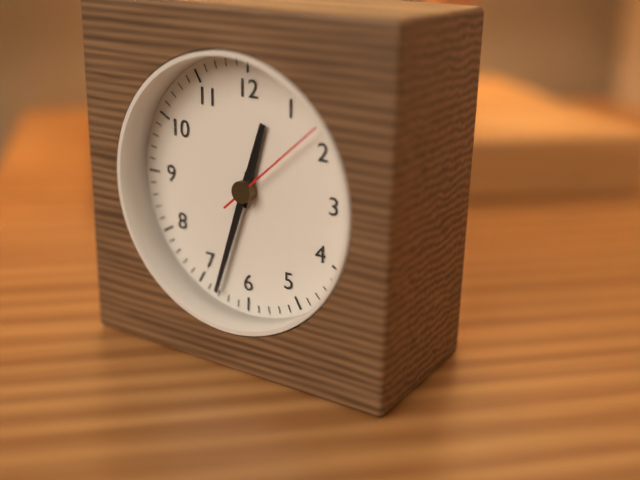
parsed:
12 h 33 min 08 s
